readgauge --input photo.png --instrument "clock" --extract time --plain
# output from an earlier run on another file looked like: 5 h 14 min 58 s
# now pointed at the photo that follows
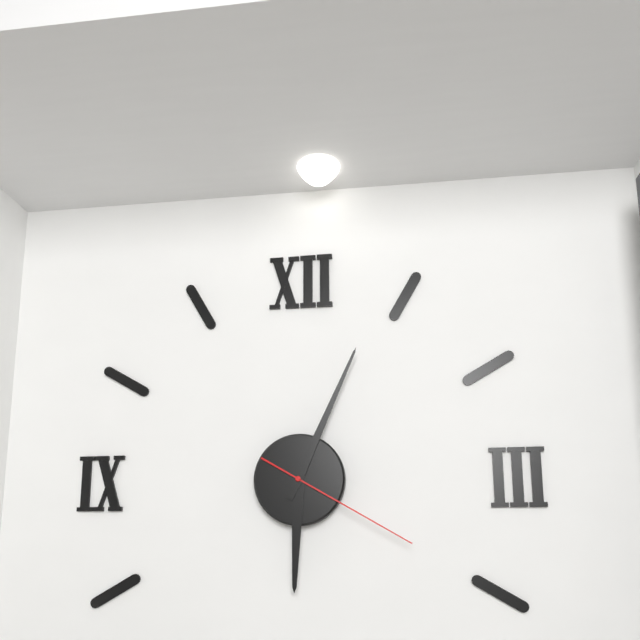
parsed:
6 h 04 min 20 s
